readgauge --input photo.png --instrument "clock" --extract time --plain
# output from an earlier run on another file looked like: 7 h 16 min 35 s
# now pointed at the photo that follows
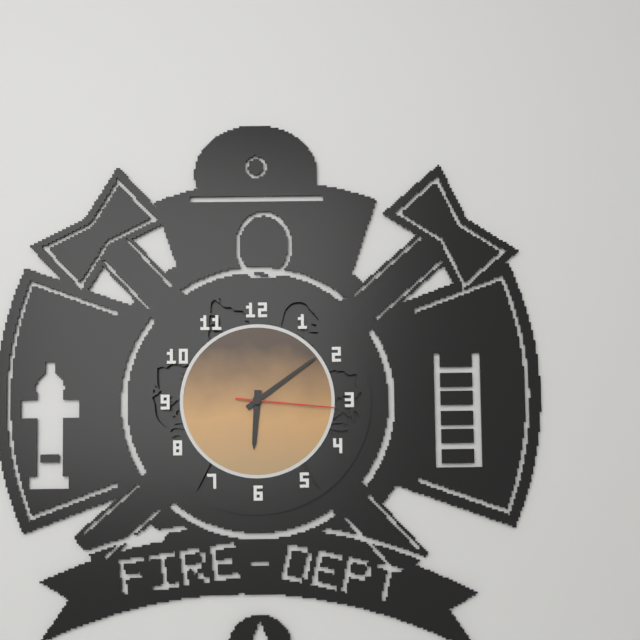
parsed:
6 h 09 min 16 s
